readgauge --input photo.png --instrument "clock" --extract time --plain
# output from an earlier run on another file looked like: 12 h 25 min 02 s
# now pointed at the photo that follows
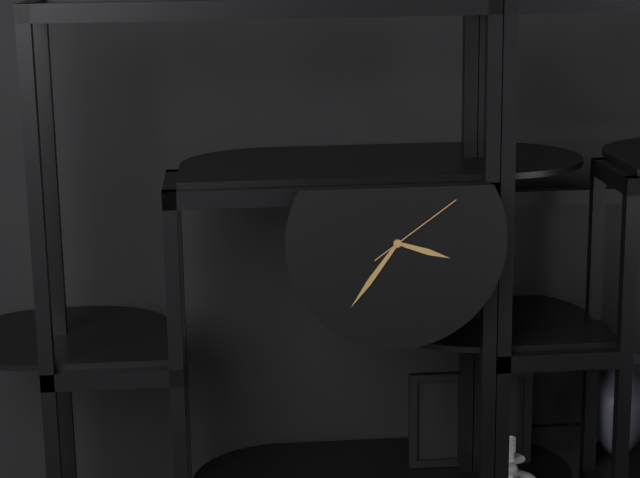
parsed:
3 h 36 min 09 s
